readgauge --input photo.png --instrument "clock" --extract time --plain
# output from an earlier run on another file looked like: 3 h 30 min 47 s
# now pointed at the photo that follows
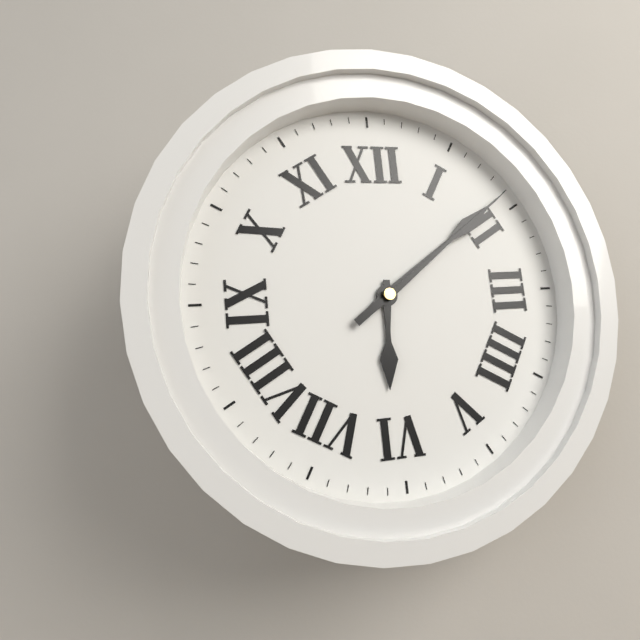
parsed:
6 h 09 min 09 s
